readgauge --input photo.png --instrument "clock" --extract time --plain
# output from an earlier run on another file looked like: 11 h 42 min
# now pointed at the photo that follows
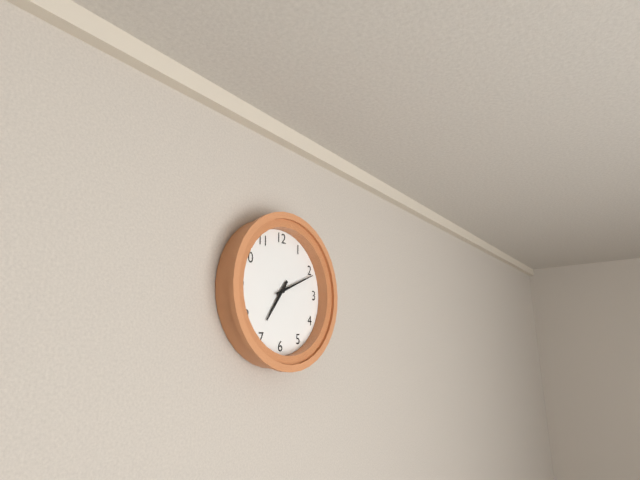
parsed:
7 h 11 min
